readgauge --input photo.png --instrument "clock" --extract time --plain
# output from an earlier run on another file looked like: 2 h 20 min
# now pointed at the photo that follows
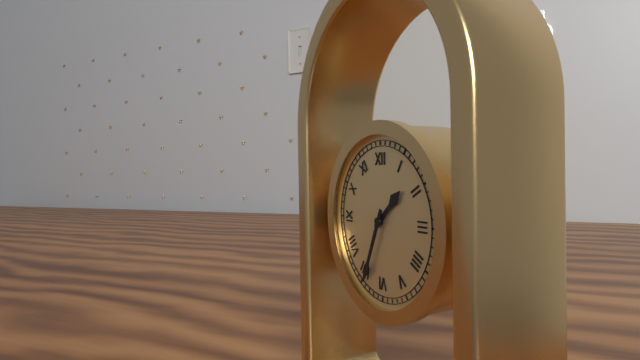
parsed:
1 h 34 min
